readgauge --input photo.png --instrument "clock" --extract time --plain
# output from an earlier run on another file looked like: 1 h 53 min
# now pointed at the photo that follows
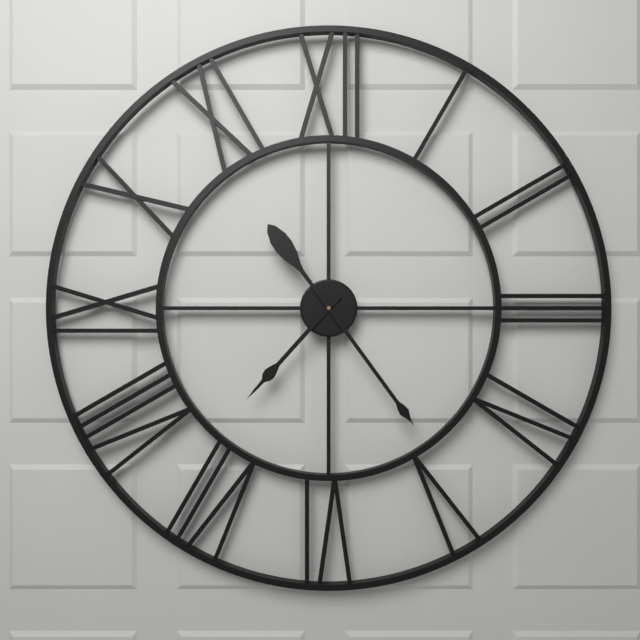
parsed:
7 h 24 min
